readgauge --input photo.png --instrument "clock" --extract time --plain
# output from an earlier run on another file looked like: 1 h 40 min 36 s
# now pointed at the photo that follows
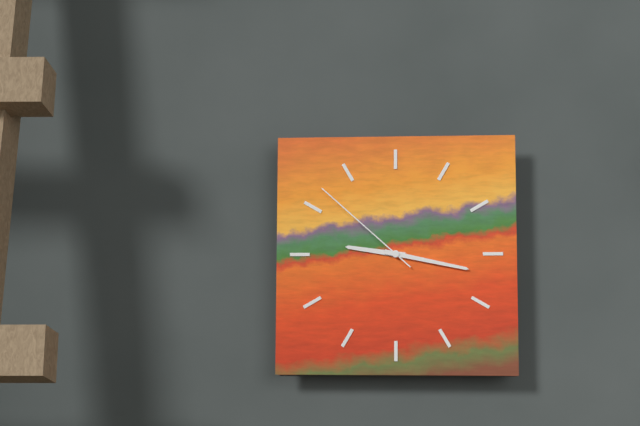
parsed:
9 h 17 min 52 s
